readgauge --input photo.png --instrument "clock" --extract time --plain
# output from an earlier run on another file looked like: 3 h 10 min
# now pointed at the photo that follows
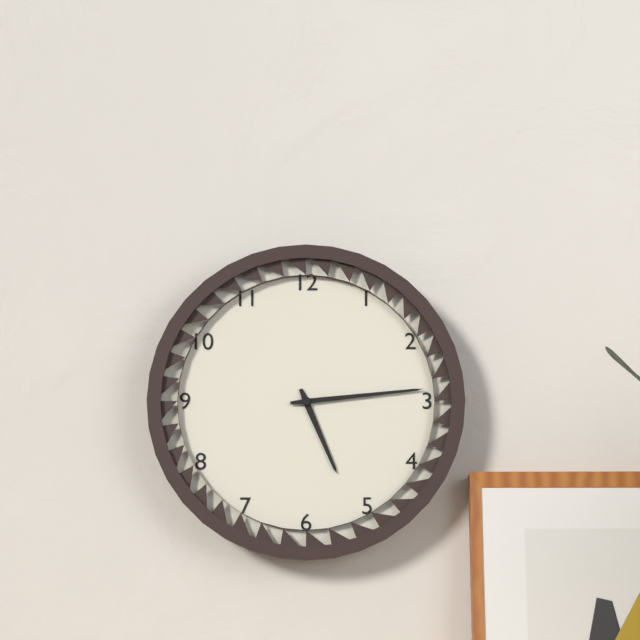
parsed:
5 h 14 min
